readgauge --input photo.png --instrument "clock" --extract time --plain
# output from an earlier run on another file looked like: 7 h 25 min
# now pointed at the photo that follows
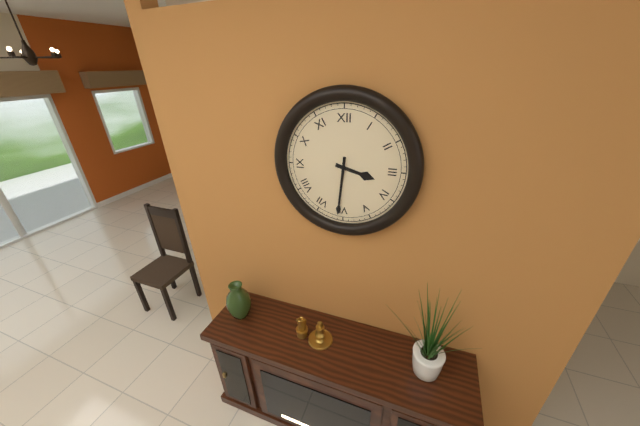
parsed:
3 h 31 min
